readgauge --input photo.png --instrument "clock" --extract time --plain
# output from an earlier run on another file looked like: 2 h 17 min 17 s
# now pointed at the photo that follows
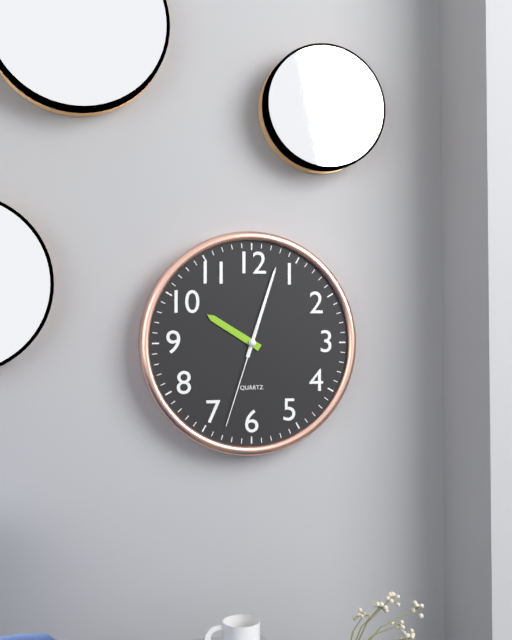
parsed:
10 h 03 min 33 s
